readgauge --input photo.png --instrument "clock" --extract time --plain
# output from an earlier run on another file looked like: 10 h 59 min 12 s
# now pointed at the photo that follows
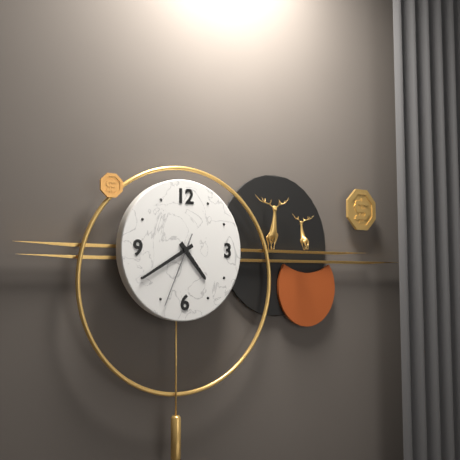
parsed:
4 h 40 min 34 s
